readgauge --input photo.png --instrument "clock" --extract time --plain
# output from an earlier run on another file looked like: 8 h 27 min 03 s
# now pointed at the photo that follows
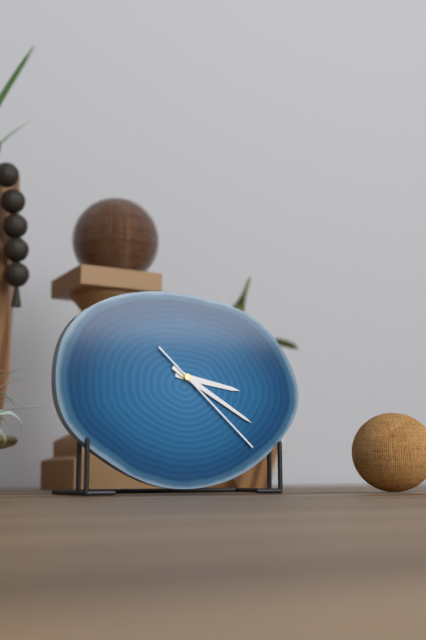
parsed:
3 h 20 min 22 s
